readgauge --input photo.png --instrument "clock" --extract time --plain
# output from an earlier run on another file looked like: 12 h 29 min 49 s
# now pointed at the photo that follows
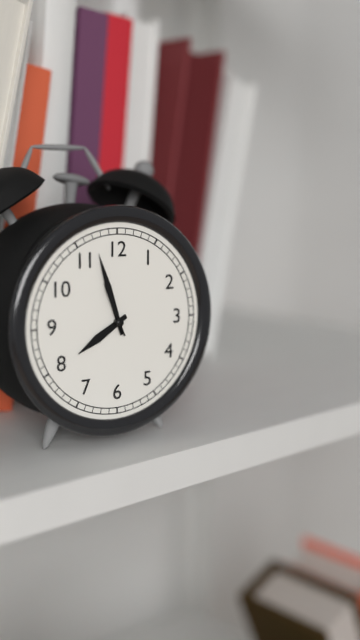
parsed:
7 h 57 min 56 s
